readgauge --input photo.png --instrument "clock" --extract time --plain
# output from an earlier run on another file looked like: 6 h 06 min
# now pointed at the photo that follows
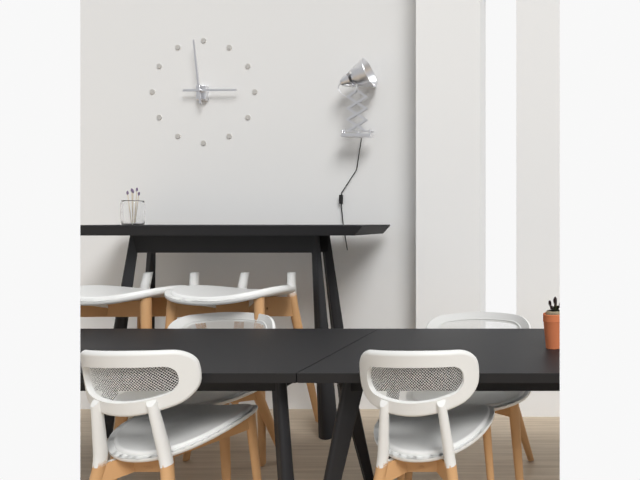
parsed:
2 h 59 min
